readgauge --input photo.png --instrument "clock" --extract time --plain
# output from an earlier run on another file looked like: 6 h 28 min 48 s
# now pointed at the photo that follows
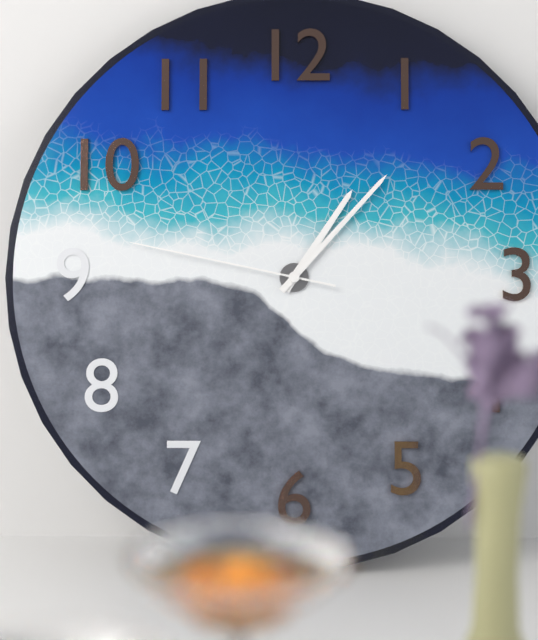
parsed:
1 h 07 min 47 s
